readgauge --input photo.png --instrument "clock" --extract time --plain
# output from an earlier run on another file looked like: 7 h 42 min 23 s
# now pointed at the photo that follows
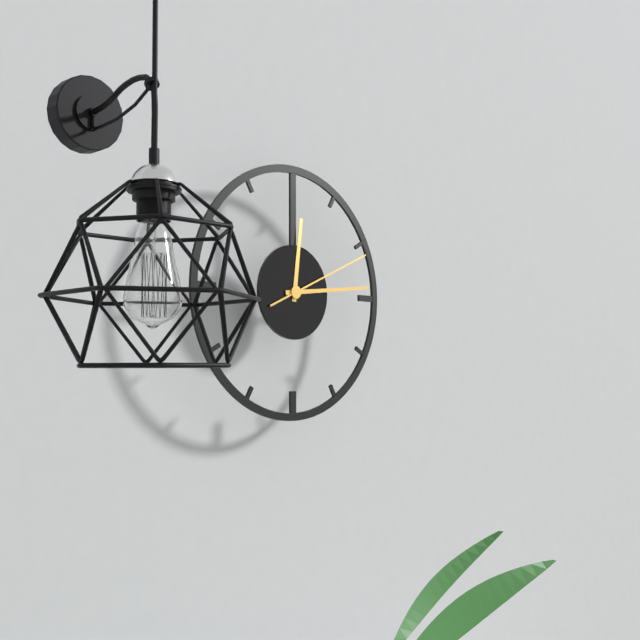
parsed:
12 h 14 min 11 s
